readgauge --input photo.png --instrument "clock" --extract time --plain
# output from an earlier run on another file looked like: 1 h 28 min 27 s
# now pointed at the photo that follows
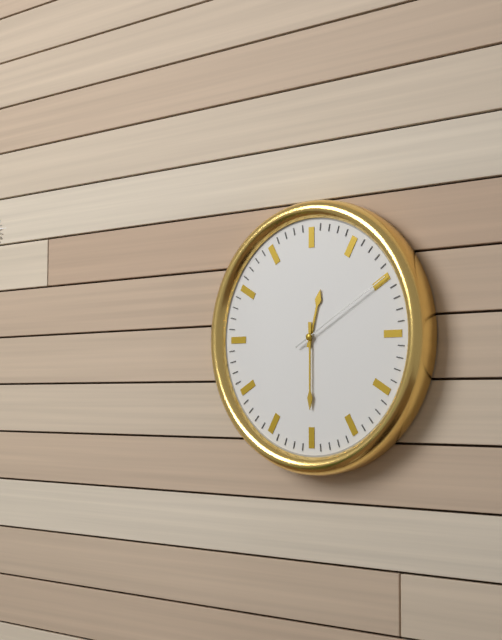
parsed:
12 h 30 min 10 s
